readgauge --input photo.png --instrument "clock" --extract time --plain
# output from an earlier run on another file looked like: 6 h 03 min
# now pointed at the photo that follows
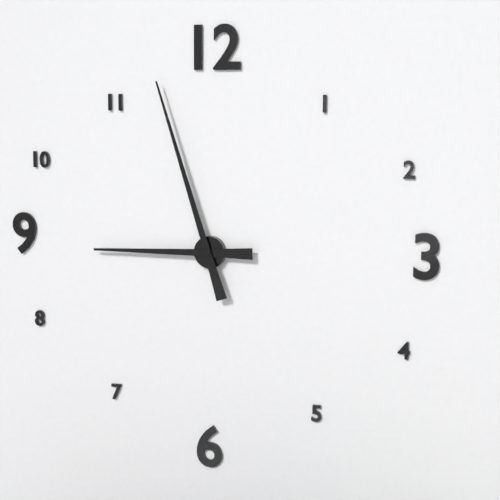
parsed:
8 h 57 min
